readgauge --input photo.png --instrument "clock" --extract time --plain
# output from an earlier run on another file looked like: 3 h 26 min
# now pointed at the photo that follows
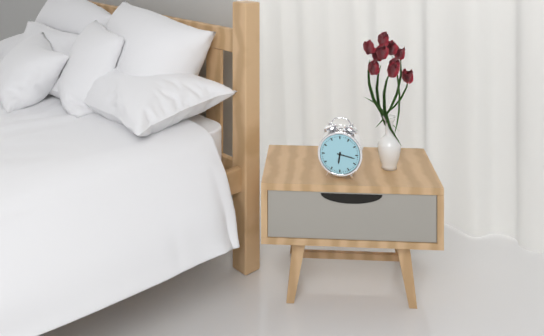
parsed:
6 h 17 min
